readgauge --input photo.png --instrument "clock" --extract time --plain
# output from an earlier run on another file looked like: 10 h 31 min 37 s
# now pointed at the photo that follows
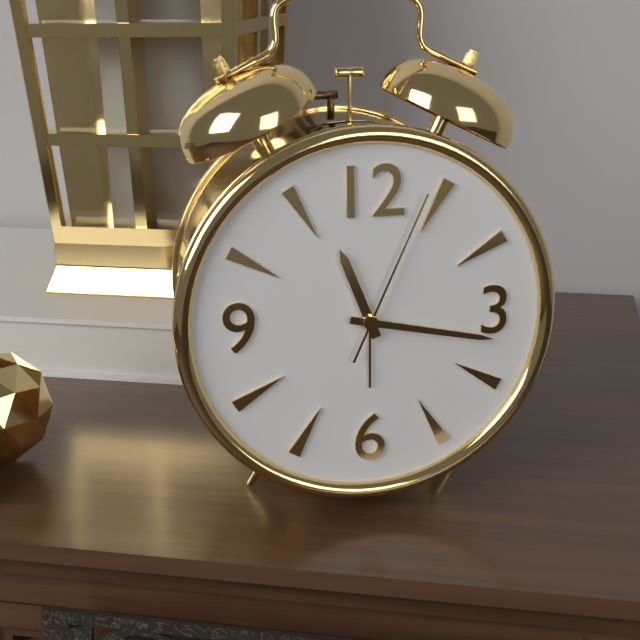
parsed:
11 h 17 min 04 s
